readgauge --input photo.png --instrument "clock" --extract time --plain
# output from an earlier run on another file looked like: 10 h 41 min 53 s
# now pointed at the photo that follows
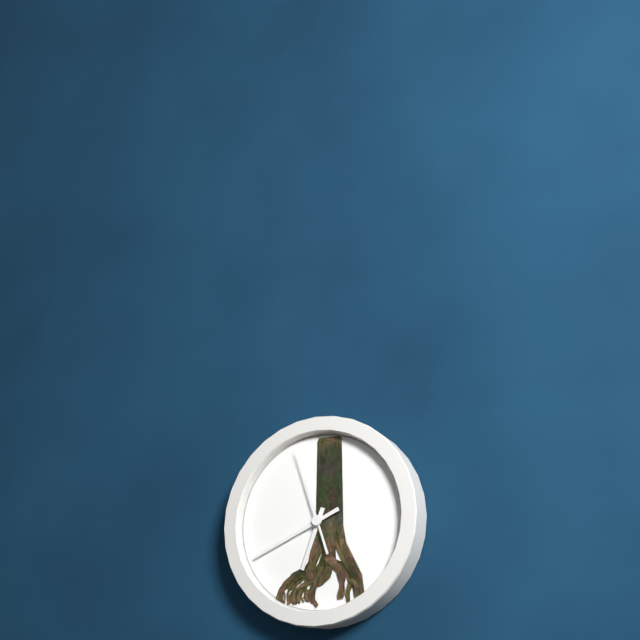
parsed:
6 h 41 min 57 s
